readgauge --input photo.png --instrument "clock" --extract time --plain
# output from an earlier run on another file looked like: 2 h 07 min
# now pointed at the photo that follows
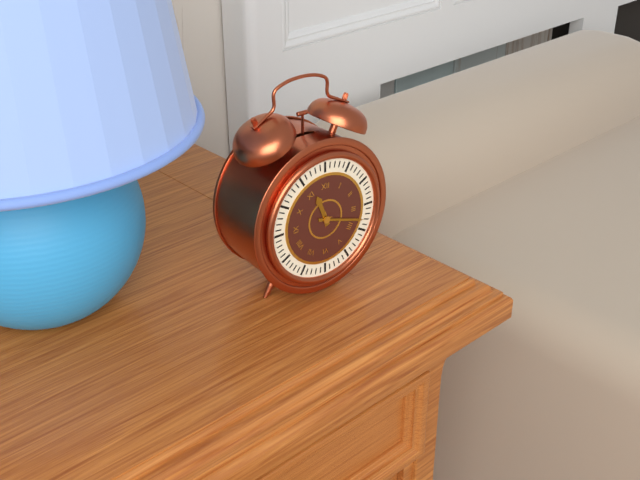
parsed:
11 h 18 min
